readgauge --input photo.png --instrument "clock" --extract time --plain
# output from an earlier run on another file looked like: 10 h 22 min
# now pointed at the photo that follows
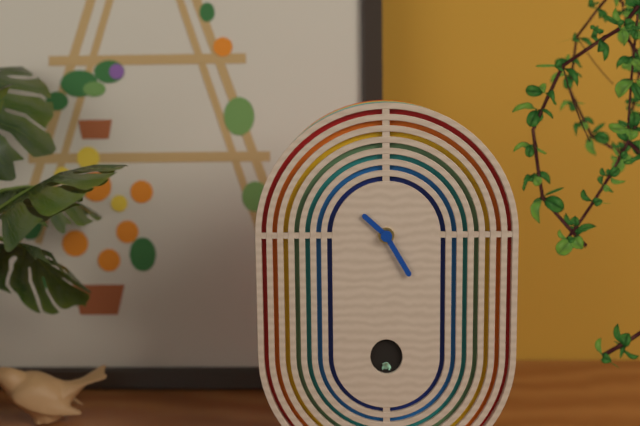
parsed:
10 h 25 min
